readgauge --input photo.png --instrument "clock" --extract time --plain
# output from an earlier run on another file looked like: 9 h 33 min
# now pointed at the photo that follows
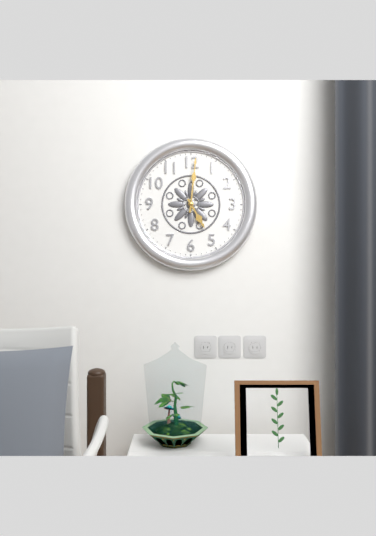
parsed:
5 h 01 min
